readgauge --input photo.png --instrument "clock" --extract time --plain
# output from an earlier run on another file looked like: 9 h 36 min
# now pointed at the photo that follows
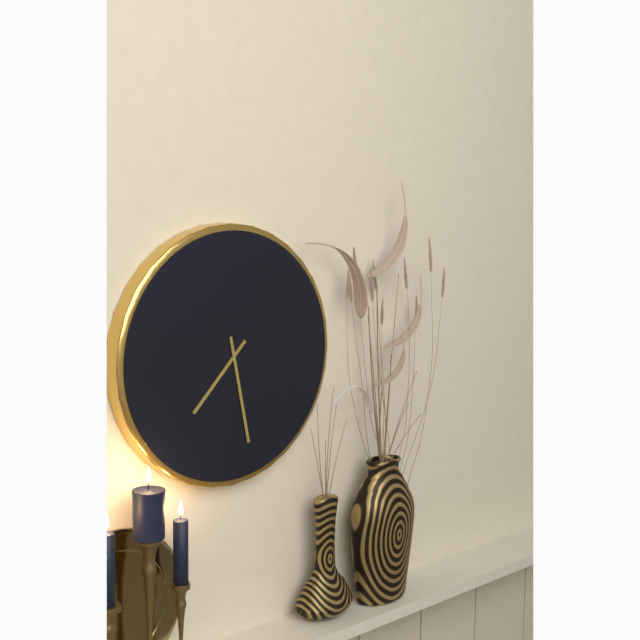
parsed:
7 h 28 min
